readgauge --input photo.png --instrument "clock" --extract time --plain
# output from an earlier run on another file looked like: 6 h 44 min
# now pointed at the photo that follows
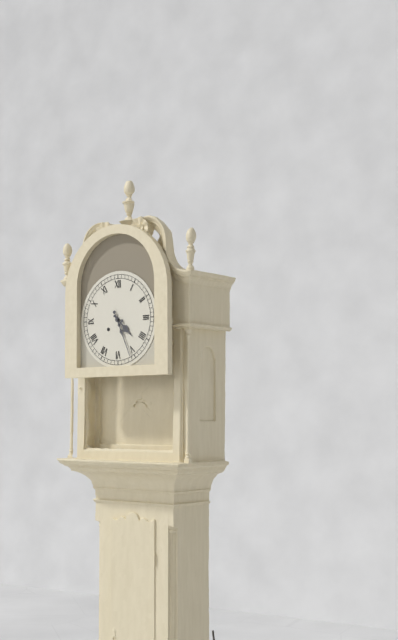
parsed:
4 h 26 min
